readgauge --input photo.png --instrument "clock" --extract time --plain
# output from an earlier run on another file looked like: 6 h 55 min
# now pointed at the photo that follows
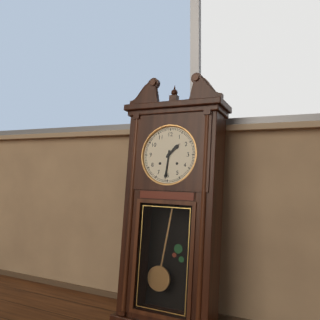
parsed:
1 h 31 min
